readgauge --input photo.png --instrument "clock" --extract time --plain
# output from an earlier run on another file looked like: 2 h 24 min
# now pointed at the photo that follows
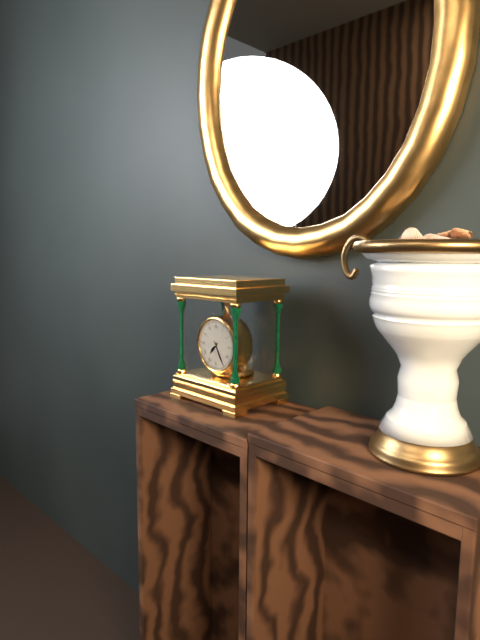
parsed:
7 h 25 min
